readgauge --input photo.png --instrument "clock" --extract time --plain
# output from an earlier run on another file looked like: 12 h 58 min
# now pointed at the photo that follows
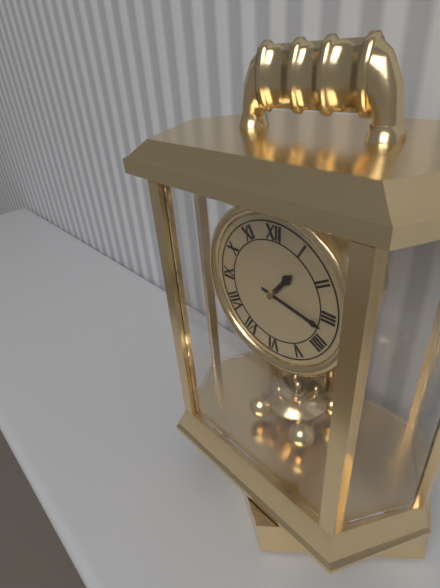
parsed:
1 h 17 min
